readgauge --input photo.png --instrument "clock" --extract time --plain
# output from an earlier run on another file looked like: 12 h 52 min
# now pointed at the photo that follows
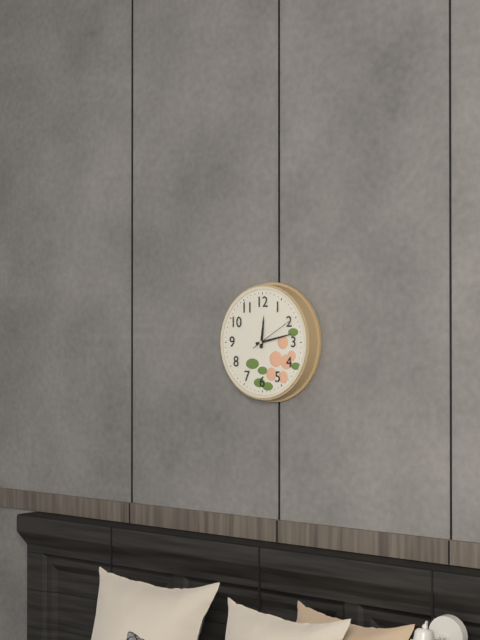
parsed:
12 h 13 min
